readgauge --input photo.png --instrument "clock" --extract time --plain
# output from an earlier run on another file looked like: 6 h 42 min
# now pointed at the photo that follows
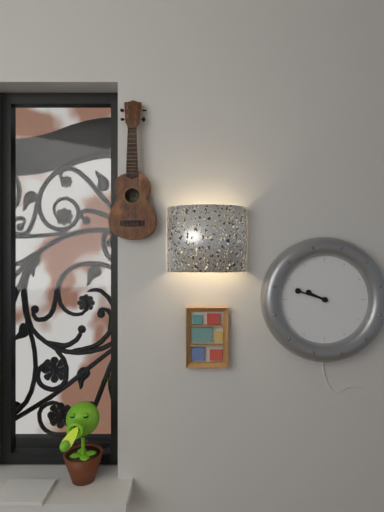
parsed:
9 h 48 min
